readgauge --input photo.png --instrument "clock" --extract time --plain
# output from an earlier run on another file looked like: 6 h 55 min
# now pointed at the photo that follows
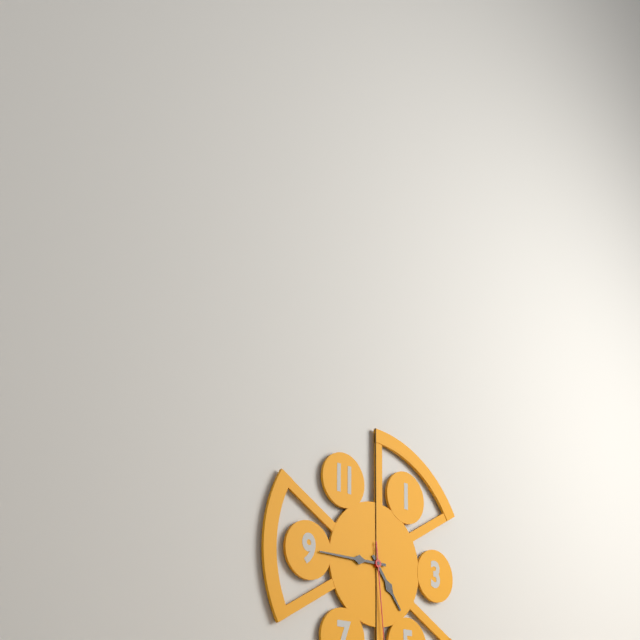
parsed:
4 h 45 min
